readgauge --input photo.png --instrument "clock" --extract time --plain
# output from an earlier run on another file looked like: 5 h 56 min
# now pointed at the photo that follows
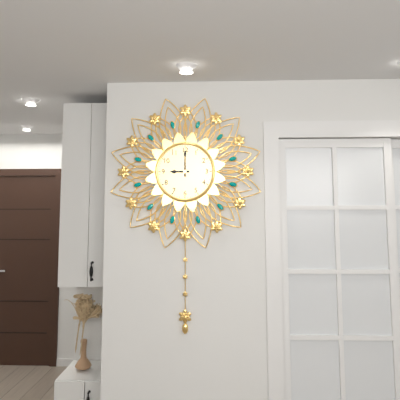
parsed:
9 h 00 min
